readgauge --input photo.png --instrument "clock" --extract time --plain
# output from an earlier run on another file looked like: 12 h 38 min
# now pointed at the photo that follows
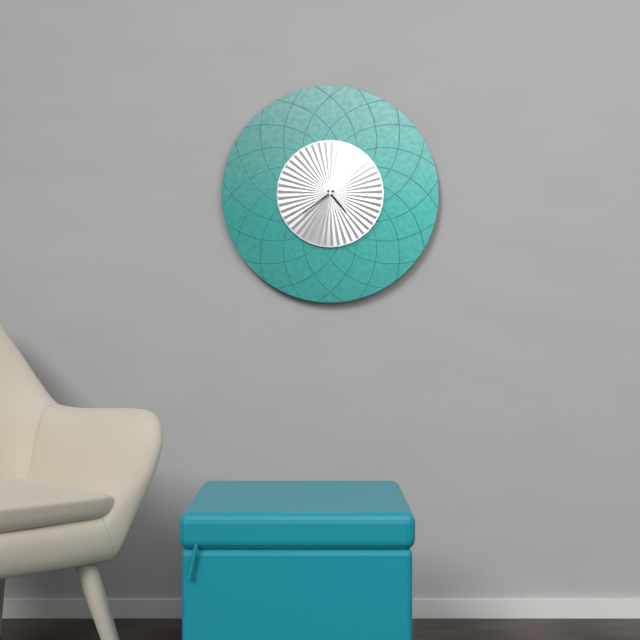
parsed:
4 h 39 min
